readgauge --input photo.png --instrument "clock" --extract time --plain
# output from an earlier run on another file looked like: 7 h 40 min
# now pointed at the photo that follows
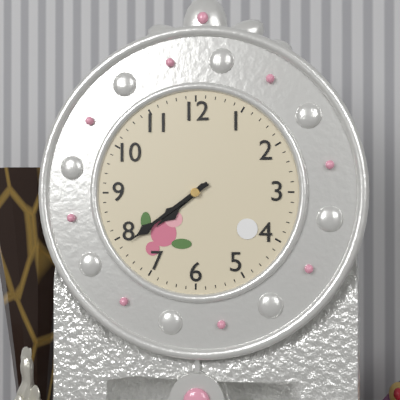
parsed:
7 h 39 min
